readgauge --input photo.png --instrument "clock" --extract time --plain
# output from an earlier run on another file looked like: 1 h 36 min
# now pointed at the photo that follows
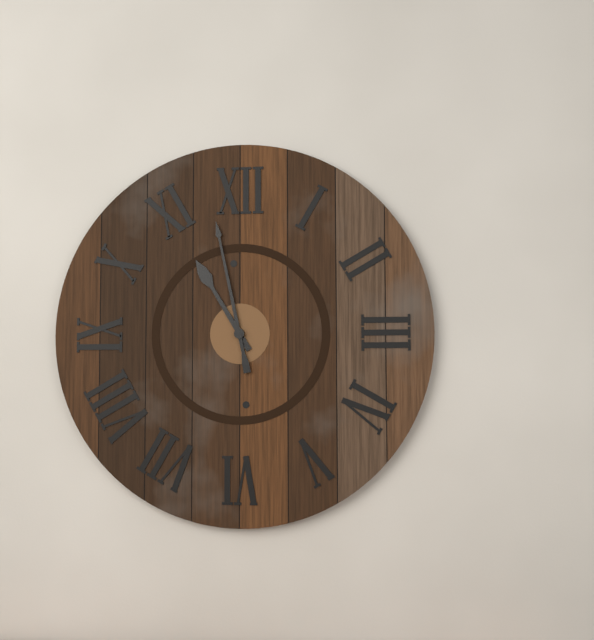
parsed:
10 h 58 min
